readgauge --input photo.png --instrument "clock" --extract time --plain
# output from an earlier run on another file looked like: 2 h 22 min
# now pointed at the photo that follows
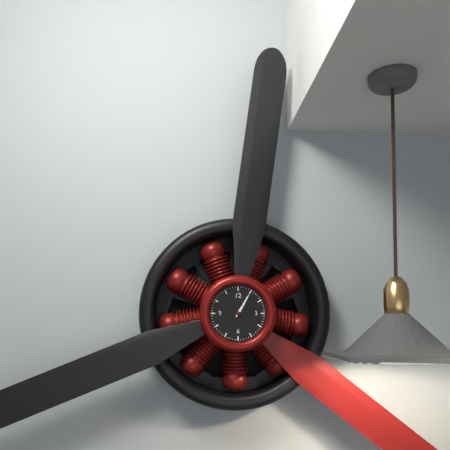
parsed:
1 h 05 min
